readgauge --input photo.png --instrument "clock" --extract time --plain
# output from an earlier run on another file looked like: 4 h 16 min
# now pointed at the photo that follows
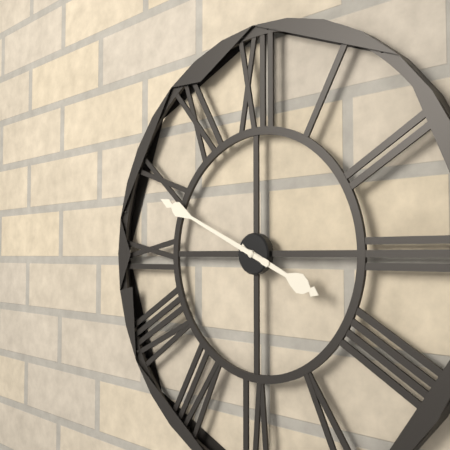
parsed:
3 h 49 min
